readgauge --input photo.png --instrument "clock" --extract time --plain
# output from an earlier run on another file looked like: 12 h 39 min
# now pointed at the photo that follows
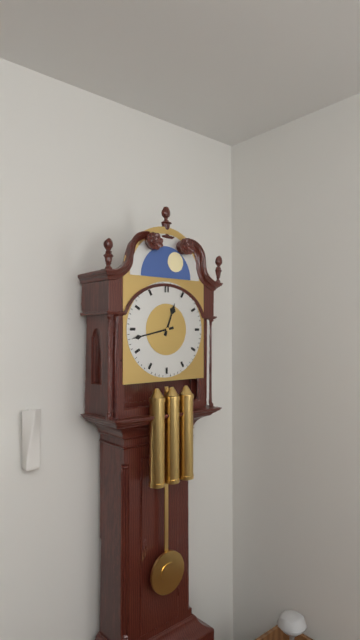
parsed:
12 h 43 min
